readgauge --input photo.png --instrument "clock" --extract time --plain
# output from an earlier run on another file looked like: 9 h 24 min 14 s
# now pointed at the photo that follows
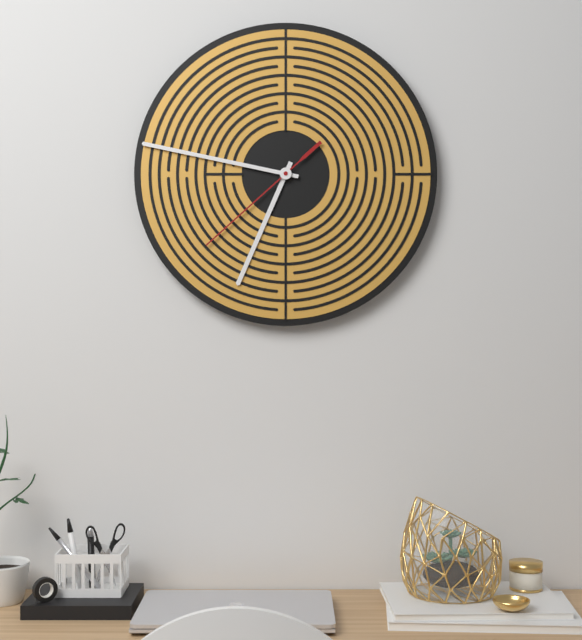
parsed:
6 h 47 min 38 s
